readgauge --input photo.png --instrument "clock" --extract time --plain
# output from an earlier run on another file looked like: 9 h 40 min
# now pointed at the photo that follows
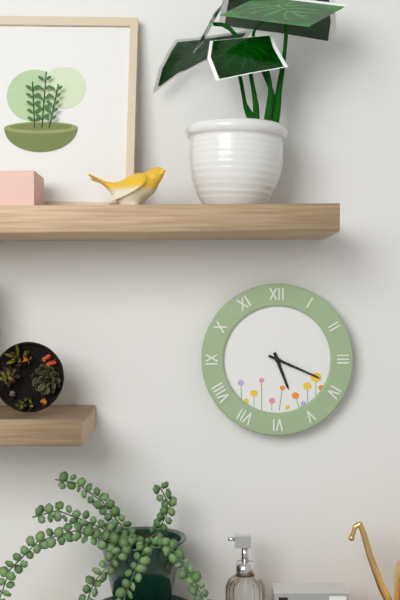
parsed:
5 h 19 min
